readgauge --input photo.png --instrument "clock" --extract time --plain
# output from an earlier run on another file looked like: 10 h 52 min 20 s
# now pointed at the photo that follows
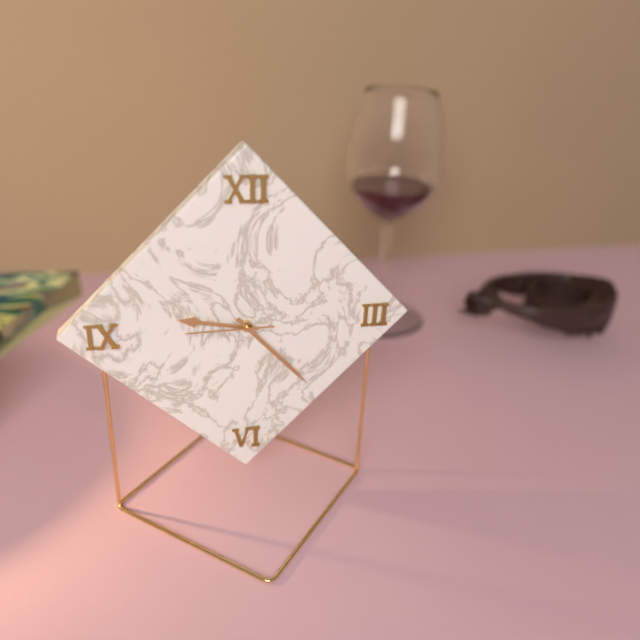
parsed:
9 h 23 min 45 s
